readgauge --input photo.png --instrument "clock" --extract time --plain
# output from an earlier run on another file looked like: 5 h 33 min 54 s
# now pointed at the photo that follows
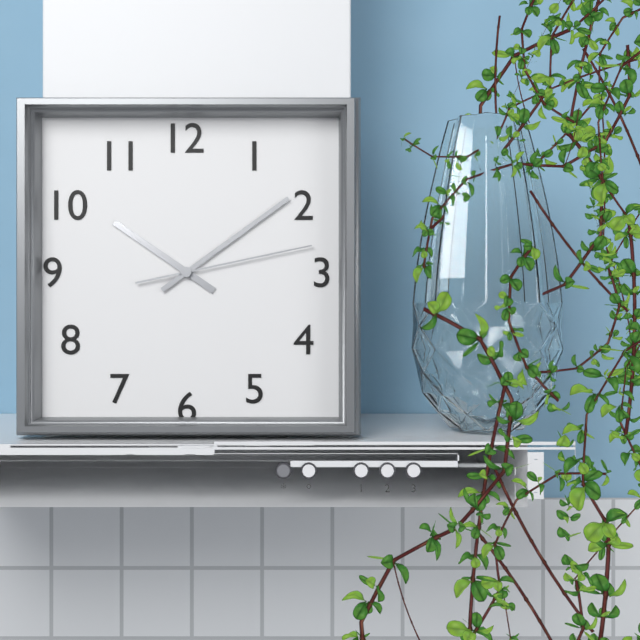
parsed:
10 h 09 min 13 s
